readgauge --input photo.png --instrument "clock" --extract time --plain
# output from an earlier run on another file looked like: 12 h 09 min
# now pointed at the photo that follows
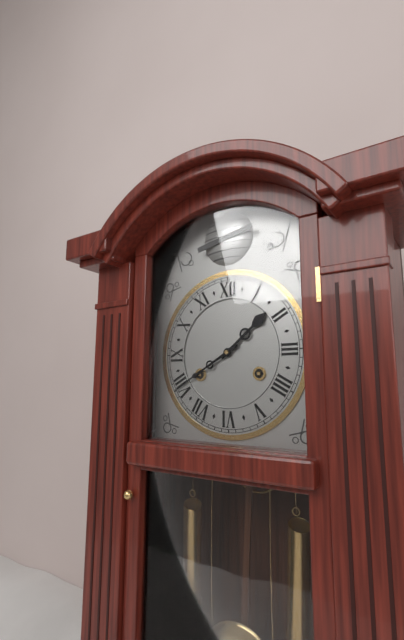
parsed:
1 h 40 min
